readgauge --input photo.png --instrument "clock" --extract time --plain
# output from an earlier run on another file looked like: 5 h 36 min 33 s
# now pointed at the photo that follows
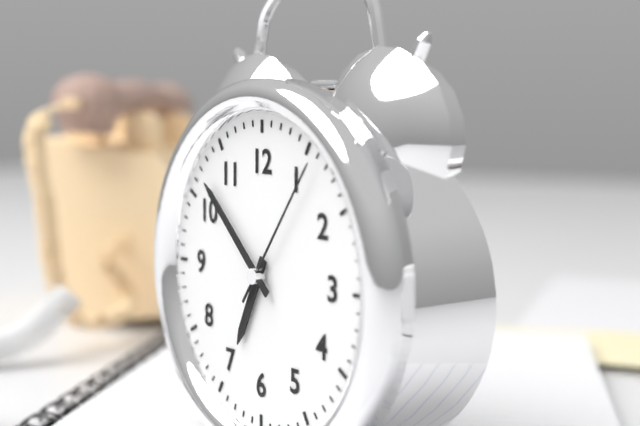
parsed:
6 h 52 min 06 s
